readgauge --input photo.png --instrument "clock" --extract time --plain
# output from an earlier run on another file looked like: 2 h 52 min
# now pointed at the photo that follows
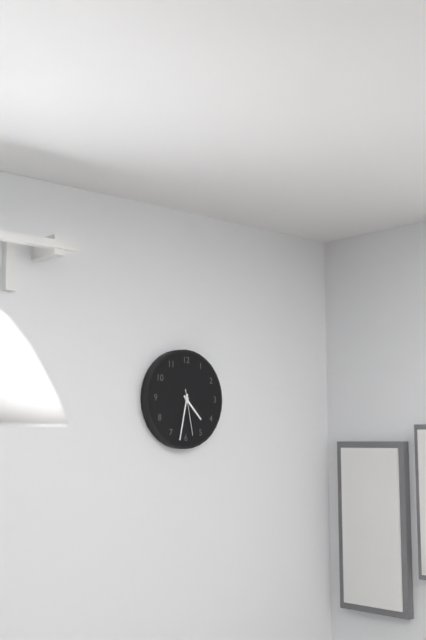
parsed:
4 h 32 min
